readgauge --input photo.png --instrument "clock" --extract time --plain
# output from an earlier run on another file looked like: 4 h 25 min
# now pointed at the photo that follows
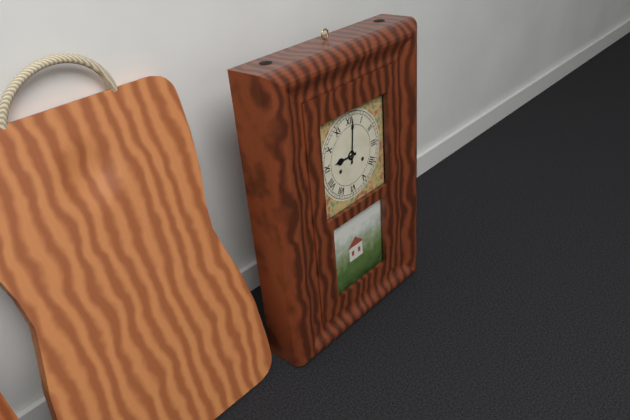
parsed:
9 h 01 min
